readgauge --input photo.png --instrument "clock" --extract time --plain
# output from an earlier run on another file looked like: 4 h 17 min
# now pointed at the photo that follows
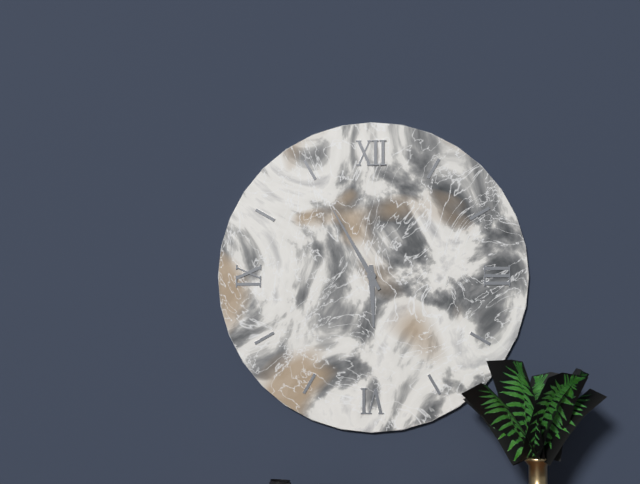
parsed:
5 h 55 min
